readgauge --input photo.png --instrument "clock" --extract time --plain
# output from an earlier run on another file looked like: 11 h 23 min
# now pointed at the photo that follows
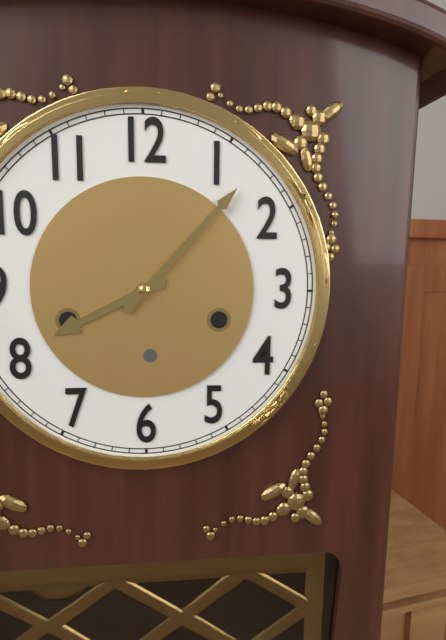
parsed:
8 h 07 min
